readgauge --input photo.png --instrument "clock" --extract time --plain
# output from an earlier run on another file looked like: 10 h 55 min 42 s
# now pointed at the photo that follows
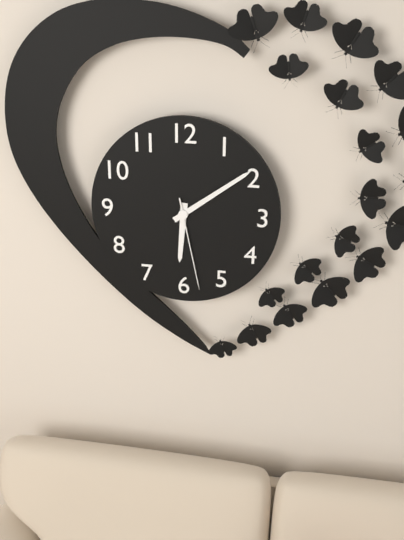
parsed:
6 h 09 min 28 s
